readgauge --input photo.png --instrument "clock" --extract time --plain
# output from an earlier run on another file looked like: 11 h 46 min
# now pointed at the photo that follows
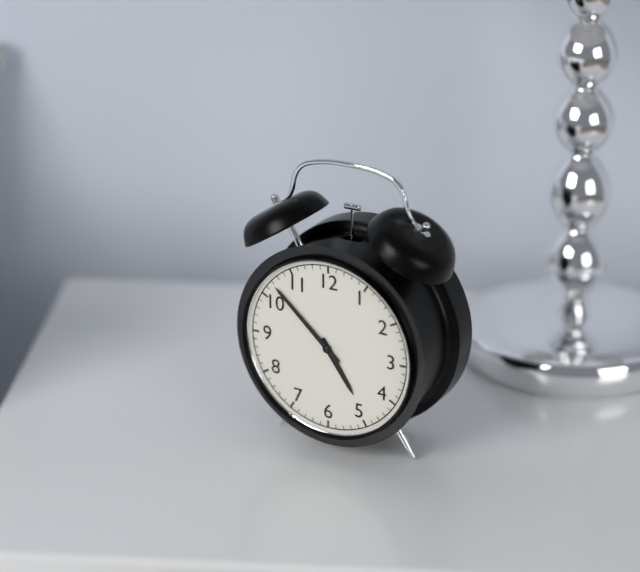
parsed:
4 h 52 min
